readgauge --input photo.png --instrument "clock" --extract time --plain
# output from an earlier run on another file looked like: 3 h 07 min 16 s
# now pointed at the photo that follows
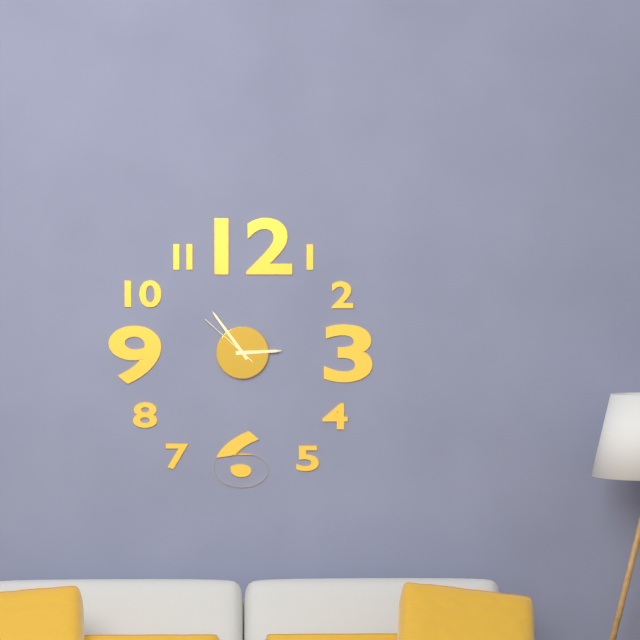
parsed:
2 h 54 min 52 s
